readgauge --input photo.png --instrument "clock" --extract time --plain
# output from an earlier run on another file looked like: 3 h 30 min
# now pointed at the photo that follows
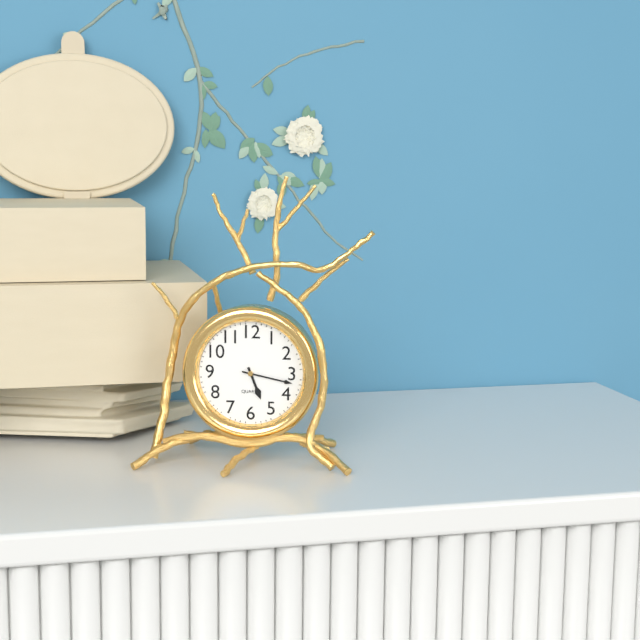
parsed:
5 h 17 min
